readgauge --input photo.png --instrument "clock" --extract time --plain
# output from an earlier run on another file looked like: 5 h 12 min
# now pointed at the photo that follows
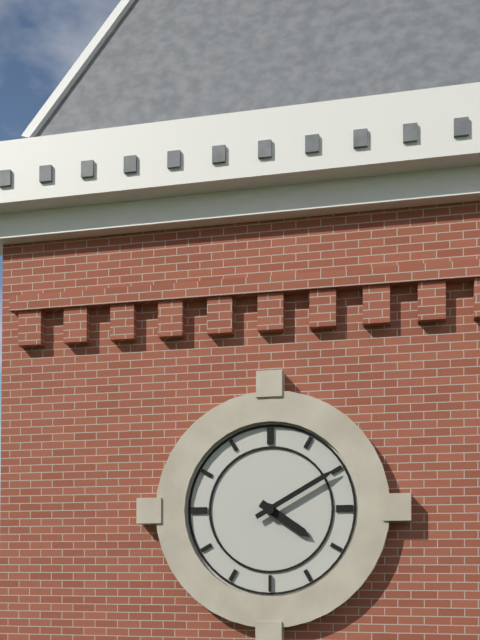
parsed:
4 h 10 min
